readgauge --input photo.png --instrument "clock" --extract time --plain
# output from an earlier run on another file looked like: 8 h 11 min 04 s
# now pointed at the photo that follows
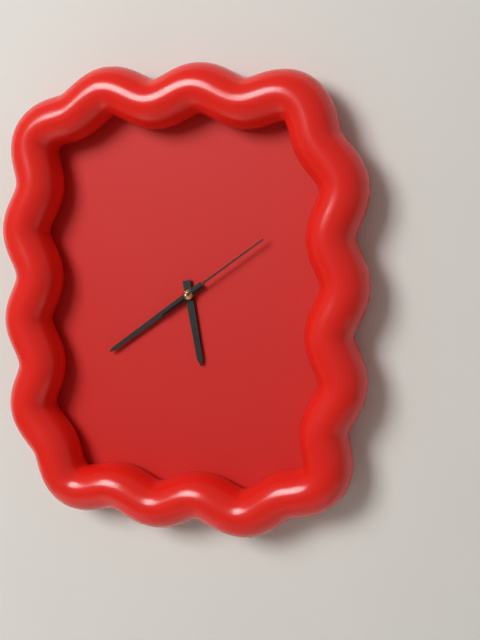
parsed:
5 h 39 min 09 s
